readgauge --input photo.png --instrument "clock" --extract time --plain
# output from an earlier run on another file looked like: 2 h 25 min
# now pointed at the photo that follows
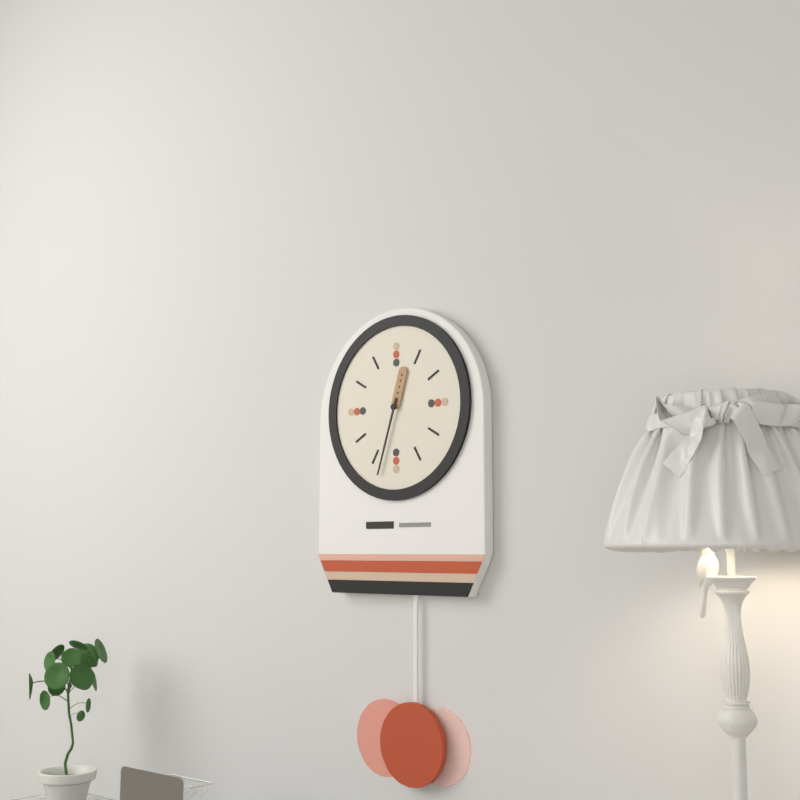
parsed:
12 h 33 min
